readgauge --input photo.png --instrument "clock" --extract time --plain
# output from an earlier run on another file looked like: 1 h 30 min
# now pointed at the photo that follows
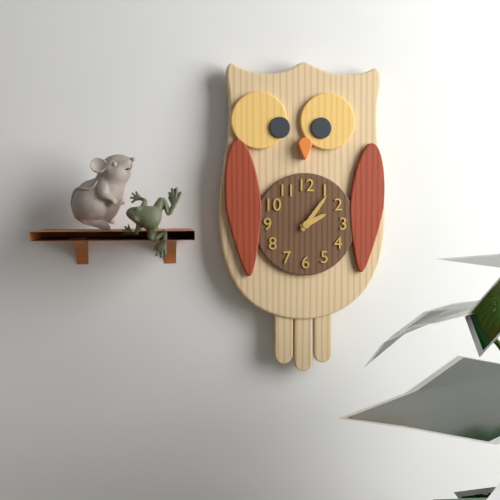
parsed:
2 h 06 min
